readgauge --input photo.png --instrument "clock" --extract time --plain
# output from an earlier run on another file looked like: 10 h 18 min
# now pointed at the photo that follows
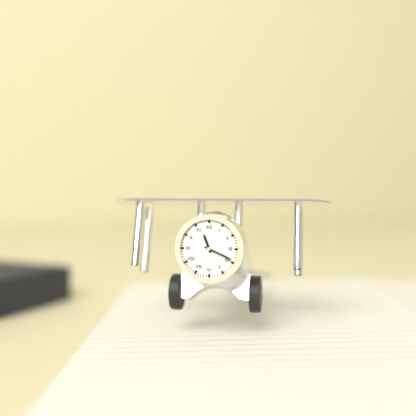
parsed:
11 h 19 min
